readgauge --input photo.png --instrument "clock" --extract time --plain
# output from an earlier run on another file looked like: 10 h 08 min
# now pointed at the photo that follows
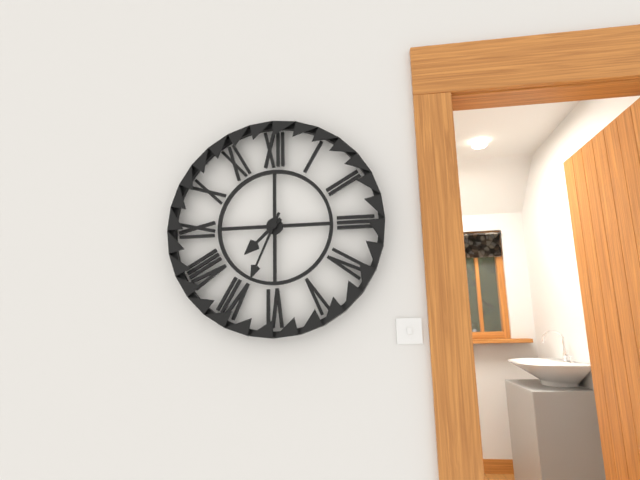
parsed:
7 h 34 min
